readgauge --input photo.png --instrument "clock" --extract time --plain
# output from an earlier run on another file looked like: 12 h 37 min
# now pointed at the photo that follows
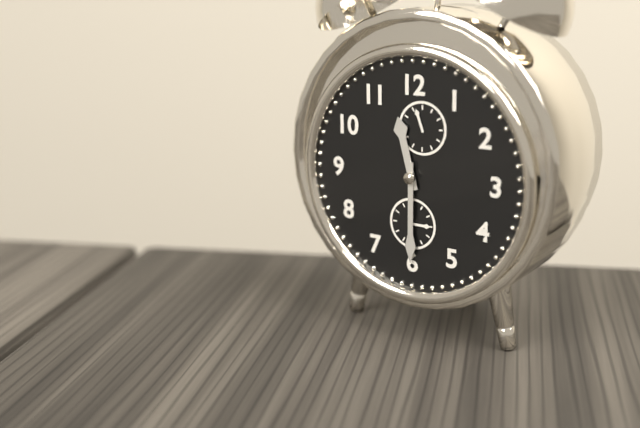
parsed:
11 h 30 min
